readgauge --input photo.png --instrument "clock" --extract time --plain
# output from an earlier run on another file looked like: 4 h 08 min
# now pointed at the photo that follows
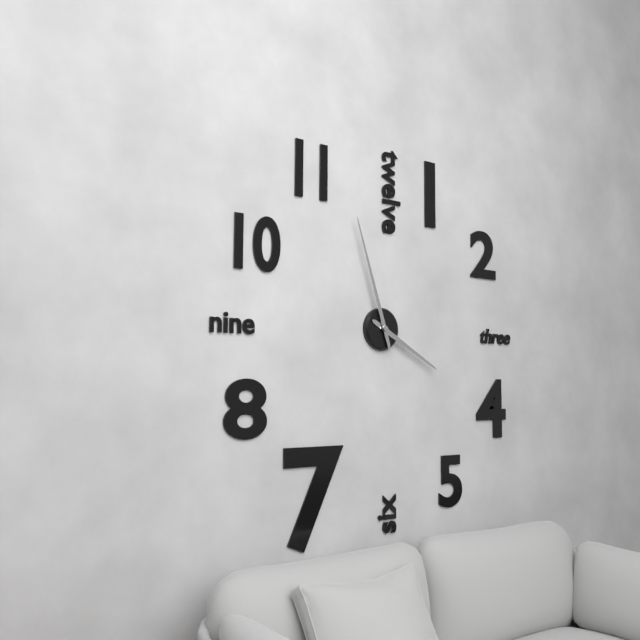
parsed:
3 h 57 min
